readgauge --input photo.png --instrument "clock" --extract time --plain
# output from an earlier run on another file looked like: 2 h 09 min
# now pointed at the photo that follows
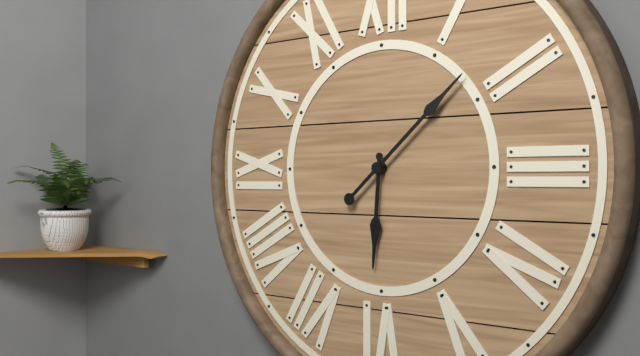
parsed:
6 h 08 min
